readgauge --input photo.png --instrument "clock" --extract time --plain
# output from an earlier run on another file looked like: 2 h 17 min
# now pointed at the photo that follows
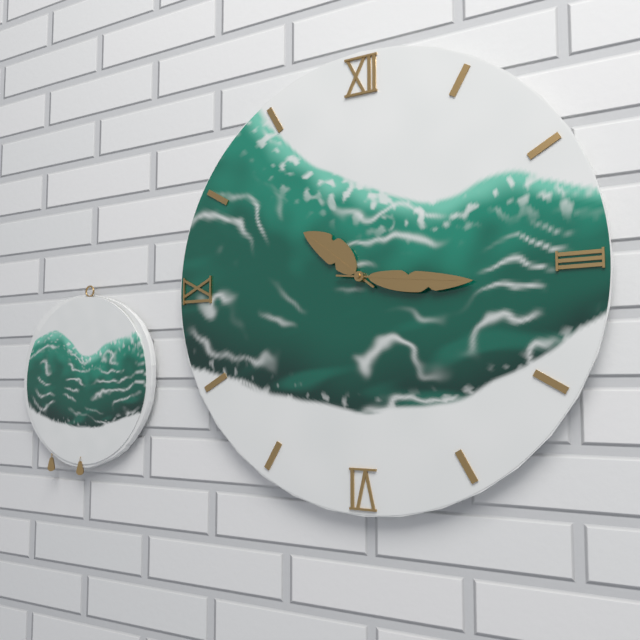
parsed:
10 h 16 min
